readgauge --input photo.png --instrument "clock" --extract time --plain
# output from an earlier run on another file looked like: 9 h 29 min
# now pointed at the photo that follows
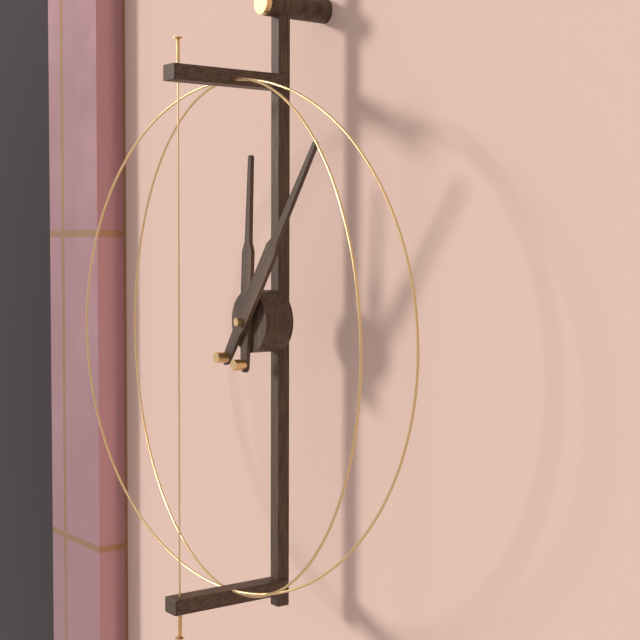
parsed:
12 h 06 min
